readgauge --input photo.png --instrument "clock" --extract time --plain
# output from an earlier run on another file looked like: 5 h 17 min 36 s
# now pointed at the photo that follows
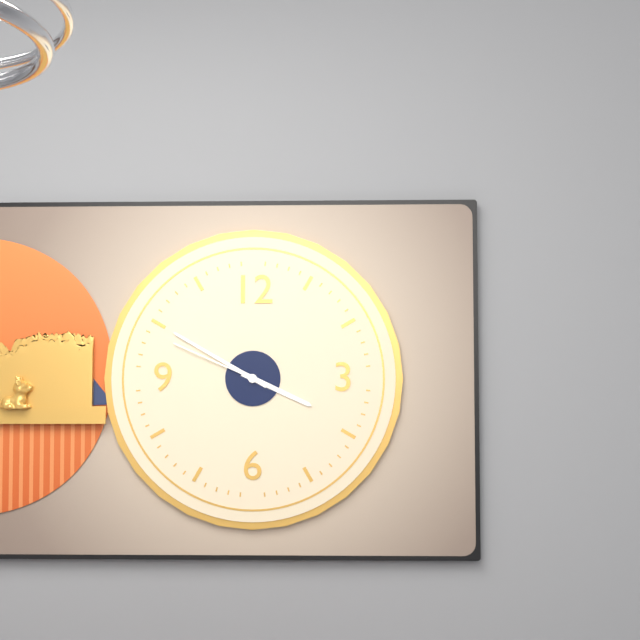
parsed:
3 h 50 min 49 s
